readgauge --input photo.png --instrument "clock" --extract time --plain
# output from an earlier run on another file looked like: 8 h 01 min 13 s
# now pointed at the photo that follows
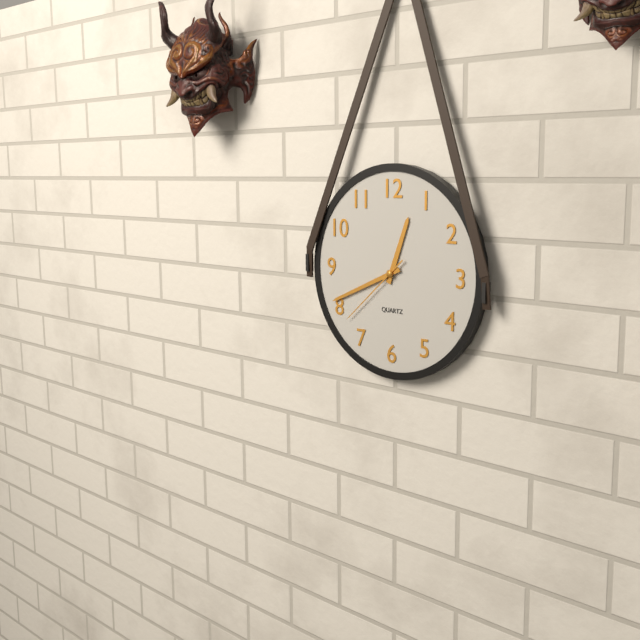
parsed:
12 h 41 min 38 s
